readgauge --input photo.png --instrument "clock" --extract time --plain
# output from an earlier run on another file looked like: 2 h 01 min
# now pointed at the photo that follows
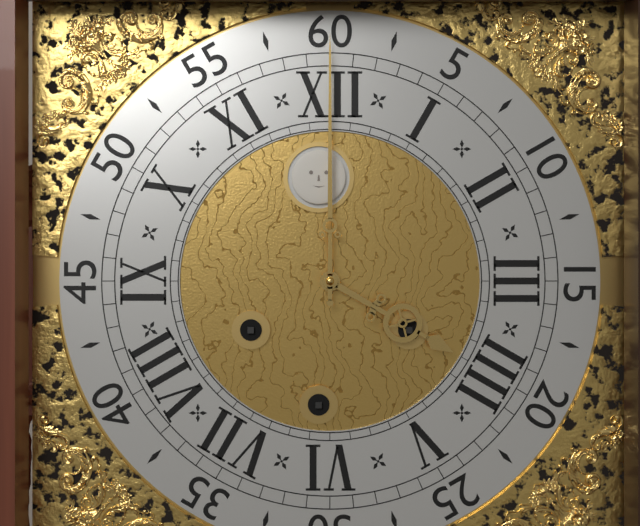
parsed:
4 h 00 min
